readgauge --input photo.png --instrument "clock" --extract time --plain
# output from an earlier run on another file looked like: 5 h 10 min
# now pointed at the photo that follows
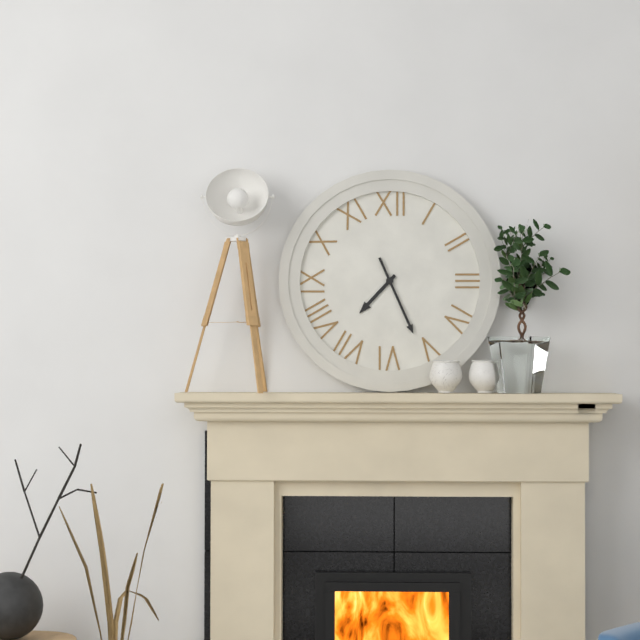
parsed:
7 h 26 min
